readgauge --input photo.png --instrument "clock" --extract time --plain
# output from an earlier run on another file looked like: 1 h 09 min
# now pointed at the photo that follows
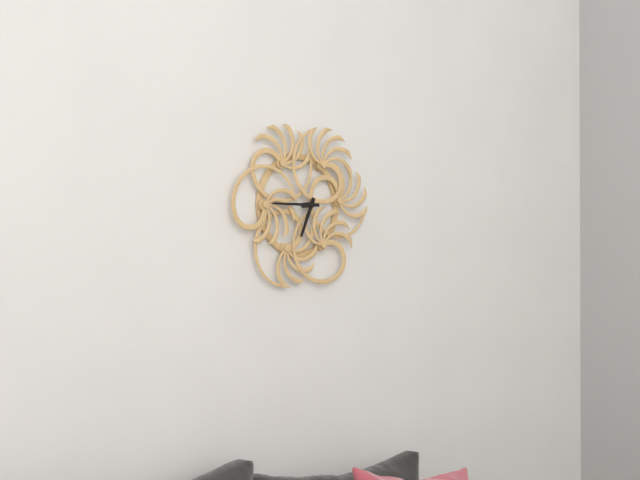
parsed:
6 h 45 min
